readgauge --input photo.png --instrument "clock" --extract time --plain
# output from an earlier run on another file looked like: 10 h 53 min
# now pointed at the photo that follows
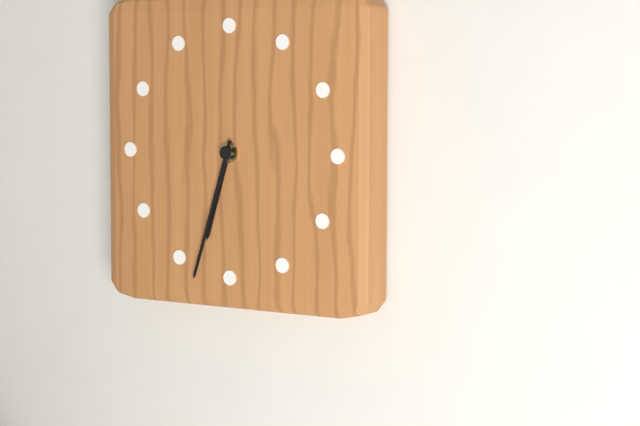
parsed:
6 h 33 min
